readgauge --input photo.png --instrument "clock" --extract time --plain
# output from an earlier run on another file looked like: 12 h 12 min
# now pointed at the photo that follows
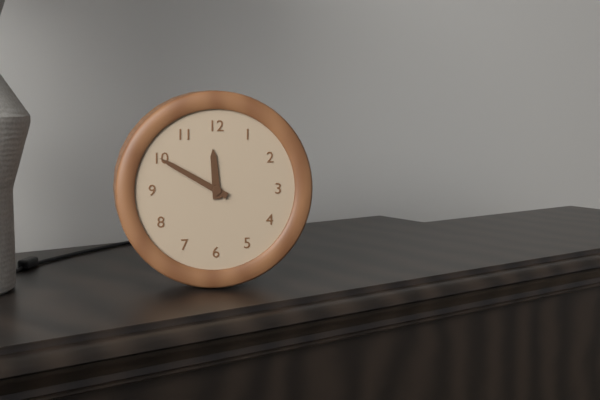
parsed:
11 h 50 min
